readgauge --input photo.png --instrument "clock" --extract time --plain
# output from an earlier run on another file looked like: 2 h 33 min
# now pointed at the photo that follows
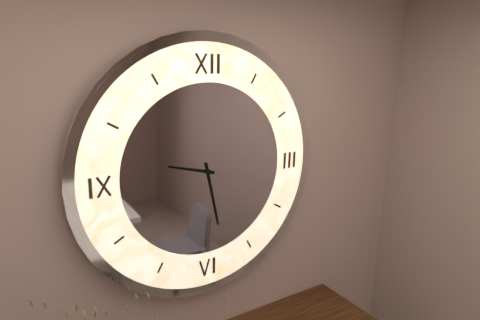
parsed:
9 h 28 min
